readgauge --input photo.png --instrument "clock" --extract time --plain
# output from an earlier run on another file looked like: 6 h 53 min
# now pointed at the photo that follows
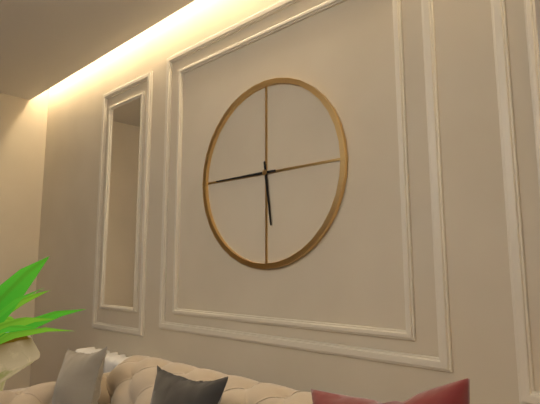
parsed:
5 h 45 min
